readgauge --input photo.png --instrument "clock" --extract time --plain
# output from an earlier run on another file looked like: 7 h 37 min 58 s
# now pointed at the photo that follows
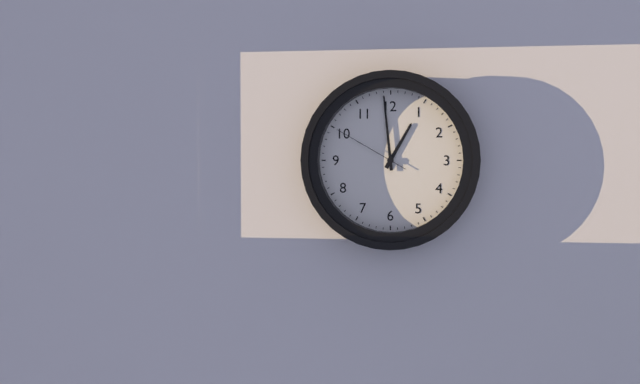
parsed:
12 h 59 min 50 s
